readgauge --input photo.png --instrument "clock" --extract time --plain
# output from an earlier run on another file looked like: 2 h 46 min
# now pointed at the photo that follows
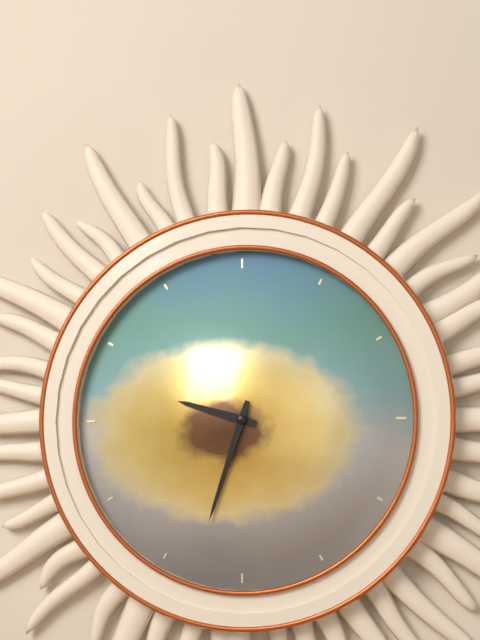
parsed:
9 h 33 min
